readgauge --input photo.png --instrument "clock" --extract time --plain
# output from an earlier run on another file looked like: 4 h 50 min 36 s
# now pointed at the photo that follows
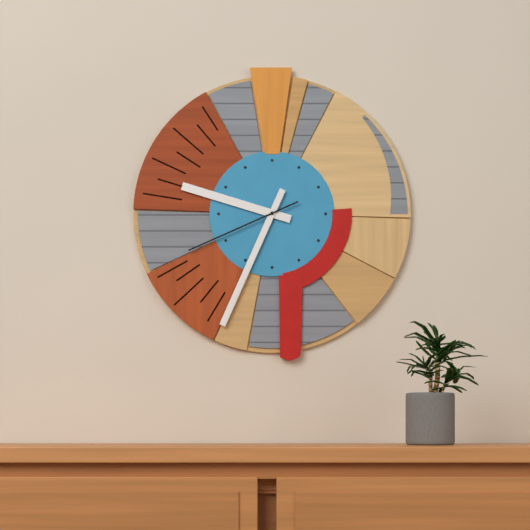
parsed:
9 h 34 min 41 s
